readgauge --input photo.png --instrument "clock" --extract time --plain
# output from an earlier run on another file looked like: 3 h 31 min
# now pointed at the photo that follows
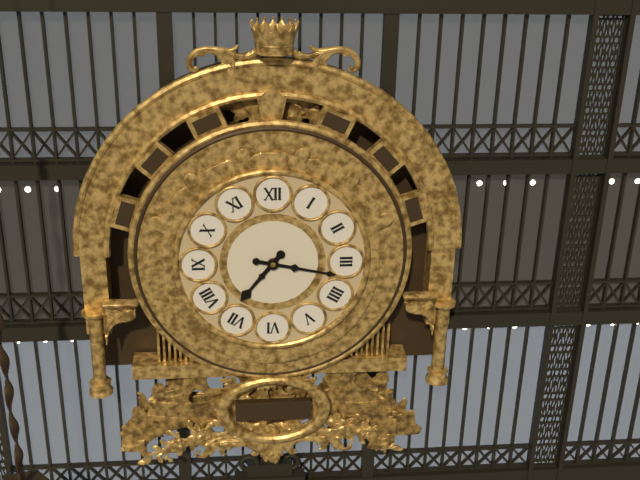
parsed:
7 h 17 min
